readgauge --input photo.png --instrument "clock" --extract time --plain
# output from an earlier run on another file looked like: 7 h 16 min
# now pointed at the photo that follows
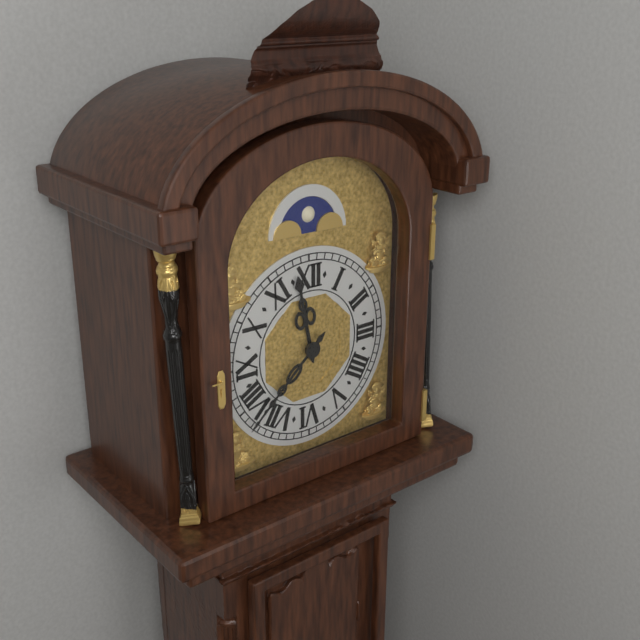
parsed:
11 h 38 min
